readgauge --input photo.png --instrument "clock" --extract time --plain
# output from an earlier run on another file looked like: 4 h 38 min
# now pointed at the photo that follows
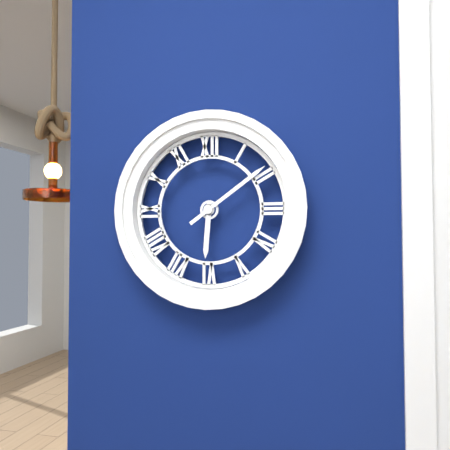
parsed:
6 h 09 min
